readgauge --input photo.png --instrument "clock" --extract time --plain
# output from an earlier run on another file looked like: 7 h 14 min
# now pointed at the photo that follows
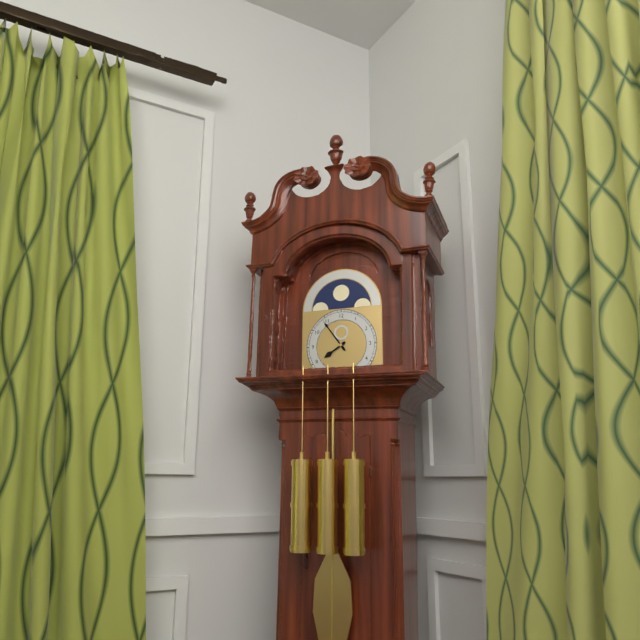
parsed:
7 h 54 min
